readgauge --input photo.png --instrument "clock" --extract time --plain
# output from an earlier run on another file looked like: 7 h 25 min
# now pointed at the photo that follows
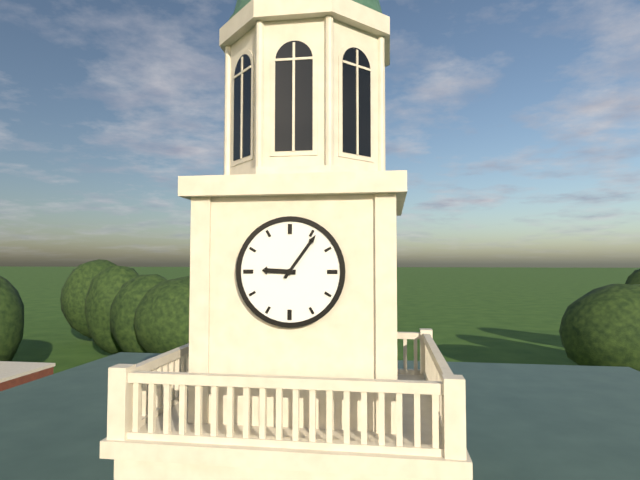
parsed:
9 h 06 min
